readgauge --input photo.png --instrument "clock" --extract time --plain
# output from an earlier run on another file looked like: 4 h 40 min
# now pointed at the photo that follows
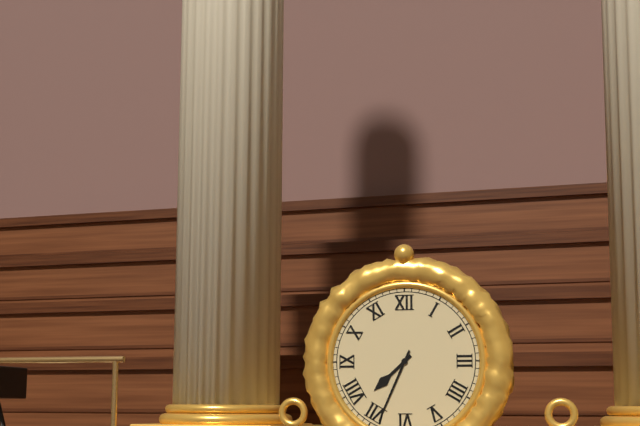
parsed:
7 h 34 min
